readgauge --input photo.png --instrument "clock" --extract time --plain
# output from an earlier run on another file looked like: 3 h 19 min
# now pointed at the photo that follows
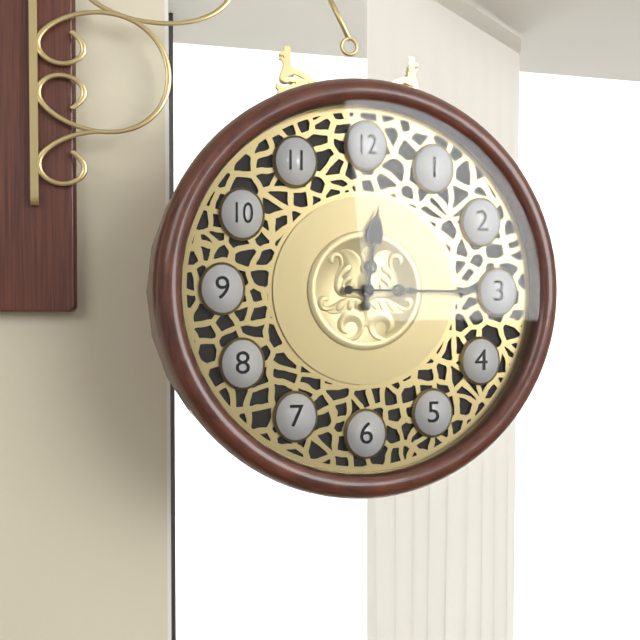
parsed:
12 h 15 min
